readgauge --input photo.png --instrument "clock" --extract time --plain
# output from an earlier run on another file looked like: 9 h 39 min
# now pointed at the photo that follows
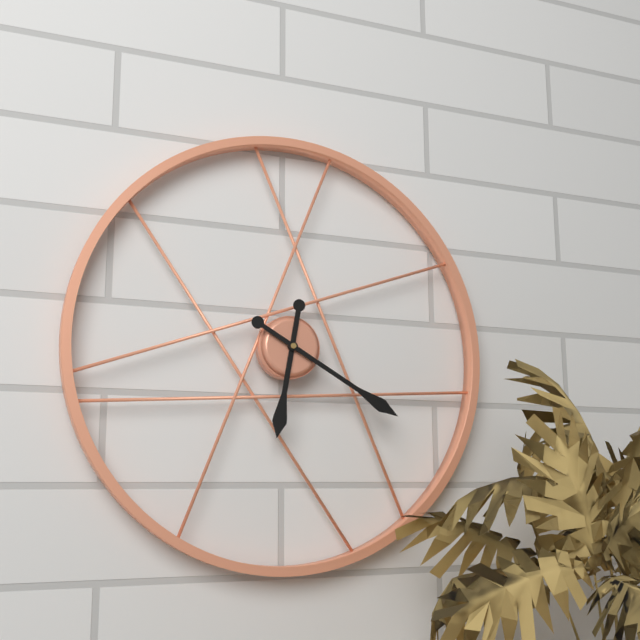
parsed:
6 h 20 min
